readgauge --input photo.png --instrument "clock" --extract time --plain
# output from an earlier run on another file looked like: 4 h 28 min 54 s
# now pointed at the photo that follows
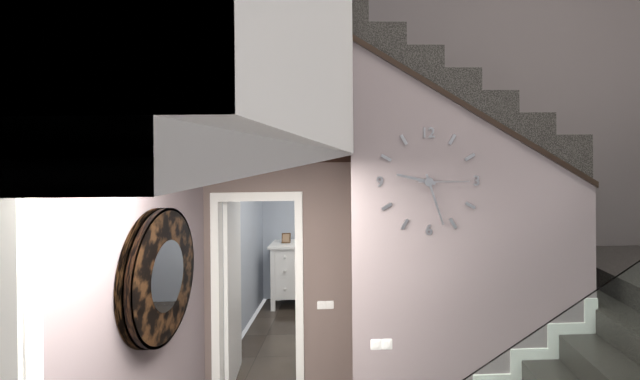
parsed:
9 h 27 min 15 s
